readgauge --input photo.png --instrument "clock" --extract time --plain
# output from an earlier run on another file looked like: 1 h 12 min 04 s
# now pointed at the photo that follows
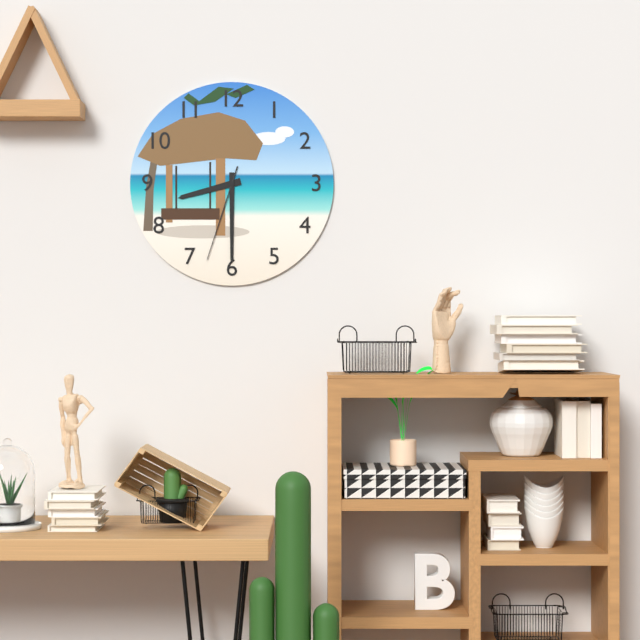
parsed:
8 h 30 min 33 s
